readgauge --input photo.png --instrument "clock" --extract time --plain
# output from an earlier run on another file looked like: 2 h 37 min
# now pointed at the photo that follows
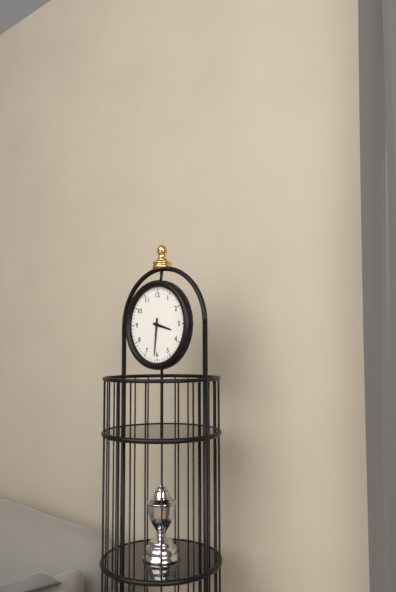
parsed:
3 h 31 min
